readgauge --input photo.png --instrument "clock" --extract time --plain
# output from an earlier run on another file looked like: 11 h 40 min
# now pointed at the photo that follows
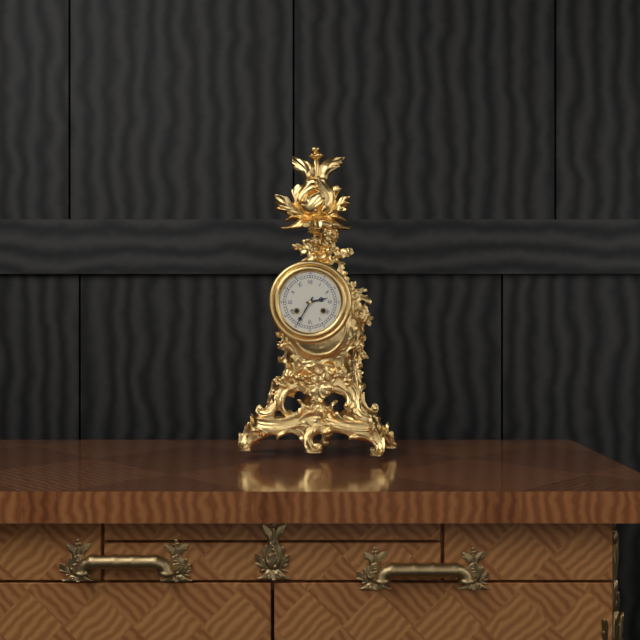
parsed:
2 h 35 min
